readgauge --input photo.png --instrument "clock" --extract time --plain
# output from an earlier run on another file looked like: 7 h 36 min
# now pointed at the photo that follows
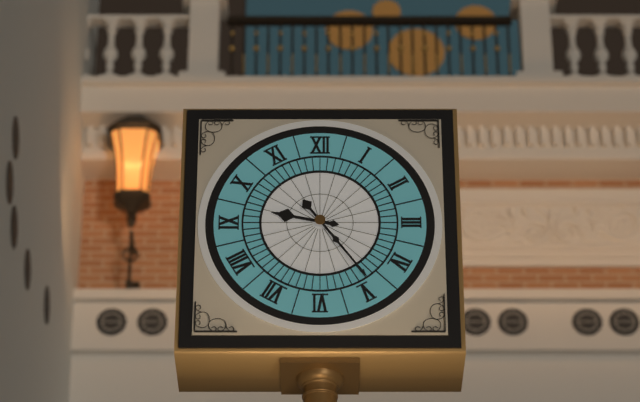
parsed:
9 h 24 min
